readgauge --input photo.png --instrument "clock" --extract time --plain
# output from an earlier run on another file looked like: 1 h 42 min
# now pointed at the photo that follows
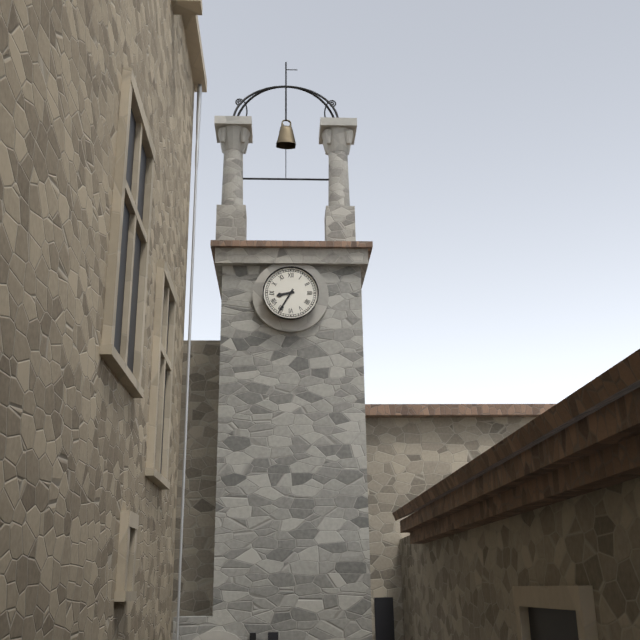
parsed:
8 h 35 min
